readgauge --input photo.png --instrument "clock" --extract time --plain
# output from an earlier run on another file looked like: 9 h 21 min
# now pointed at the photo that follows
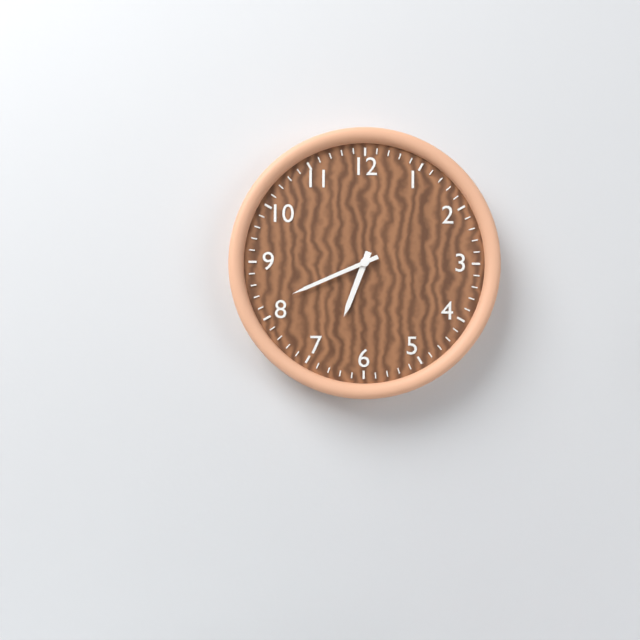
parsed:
6 h 41 min
